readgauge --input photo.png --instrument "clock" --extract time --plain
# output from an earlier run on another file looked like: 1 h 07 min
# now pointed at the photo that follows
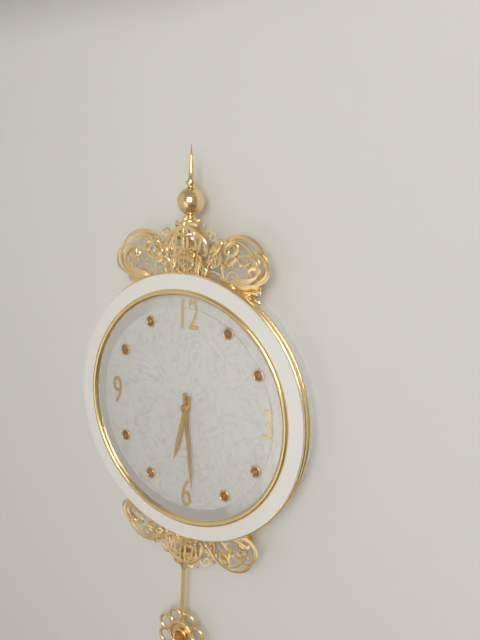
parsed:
6 h 29 min
